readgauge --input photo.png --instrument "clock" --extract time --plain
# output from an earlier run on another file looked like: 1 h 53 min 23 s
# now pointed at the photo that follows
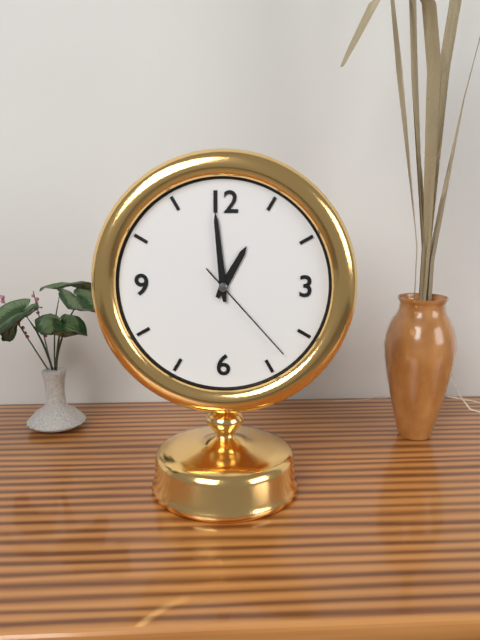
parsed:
12 h 59 min 23 s
